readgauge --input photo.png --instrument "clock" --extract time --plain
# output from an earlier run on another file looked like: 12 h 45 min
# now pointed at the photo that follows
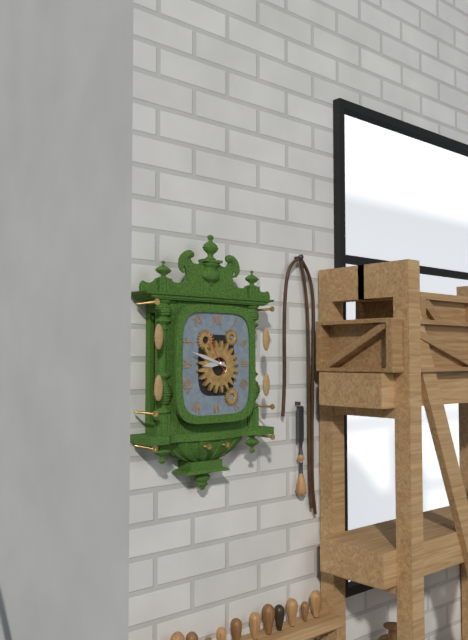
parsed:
8 h 48 min
